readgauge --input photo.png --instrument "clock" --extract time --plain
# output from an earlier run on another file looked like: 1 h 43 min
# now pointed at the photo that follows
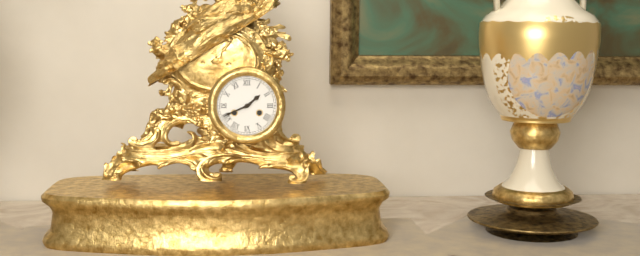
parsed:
1 h 41 min
